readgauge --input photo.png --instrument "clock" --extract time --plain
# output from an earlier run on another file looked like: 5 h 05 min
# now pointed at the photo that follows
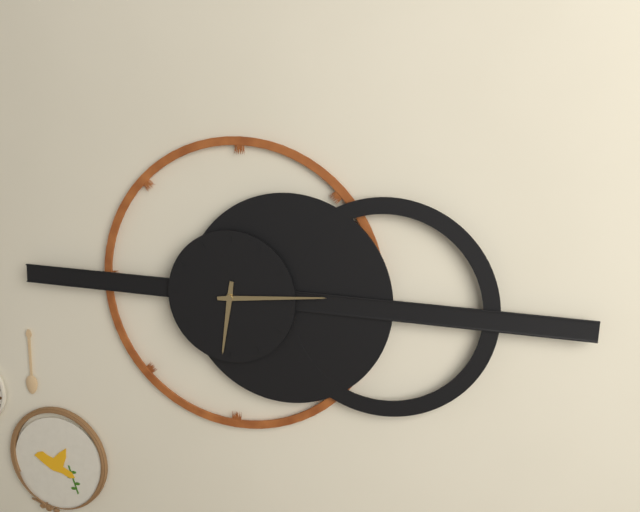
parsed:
6 h 14 min
